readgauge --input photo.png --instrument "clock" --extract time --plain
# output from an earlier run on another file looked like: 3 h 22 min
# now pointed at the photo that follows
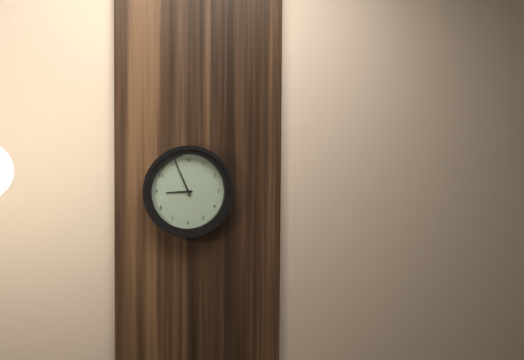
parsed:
8 h 56 min
